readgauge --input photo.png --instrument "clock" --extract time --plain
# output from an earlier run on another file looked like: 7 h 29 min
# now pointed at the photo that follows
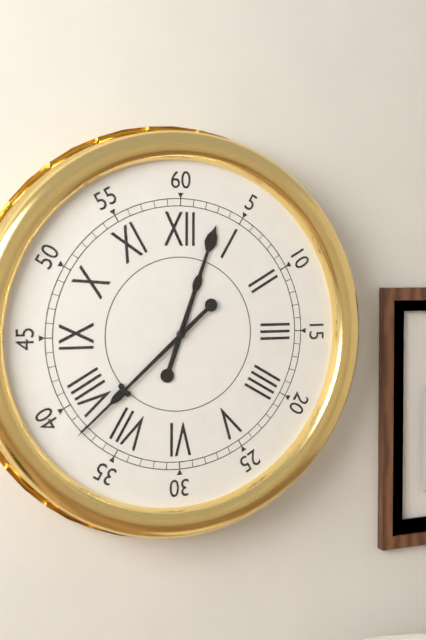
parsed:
12 h 38 min
